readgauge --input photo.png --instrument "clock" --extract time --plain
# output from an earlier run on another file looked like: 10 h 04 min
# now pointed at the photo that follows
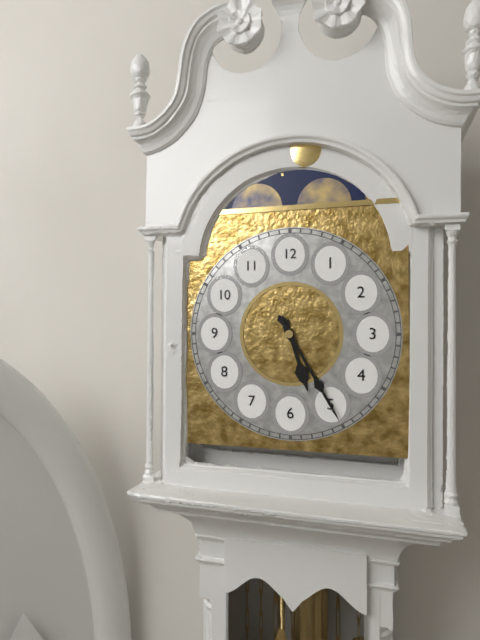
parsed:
5 h 25 min
